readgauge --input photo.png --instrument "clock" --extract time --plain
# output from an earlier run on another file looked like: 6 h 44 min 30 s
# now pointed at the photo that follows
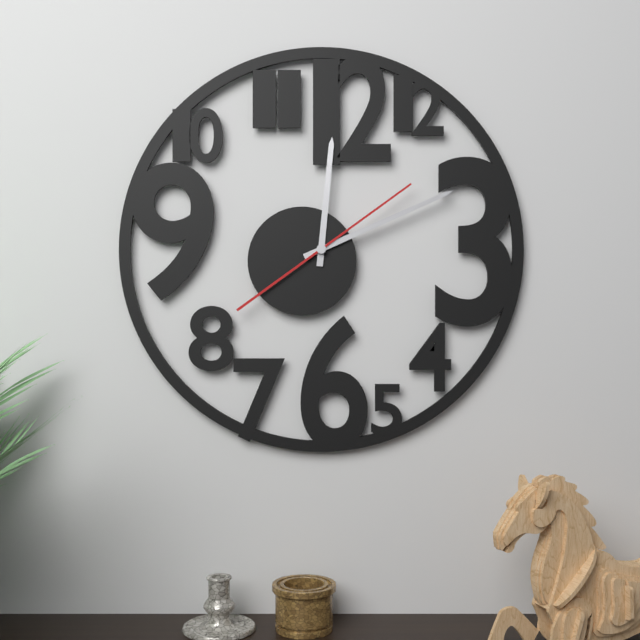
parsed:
12 h 11 min 09 s
